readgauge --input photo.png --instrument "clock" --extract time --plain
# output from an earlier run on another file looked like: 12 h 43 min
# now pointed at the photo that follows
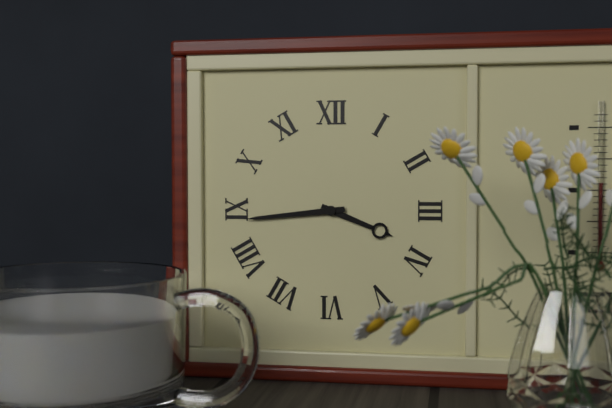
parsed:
3 h 44 min
